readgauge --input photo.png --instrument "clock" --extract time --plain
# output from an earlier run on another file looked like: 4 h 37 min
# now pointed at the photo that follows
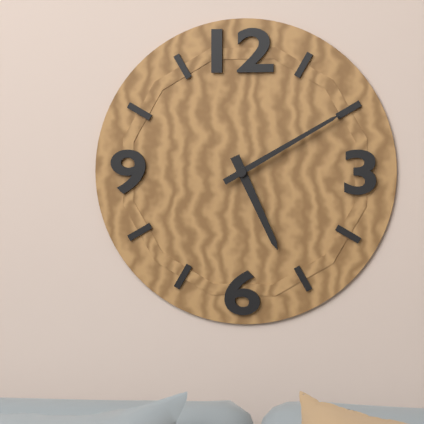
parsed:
5 h 10 min
